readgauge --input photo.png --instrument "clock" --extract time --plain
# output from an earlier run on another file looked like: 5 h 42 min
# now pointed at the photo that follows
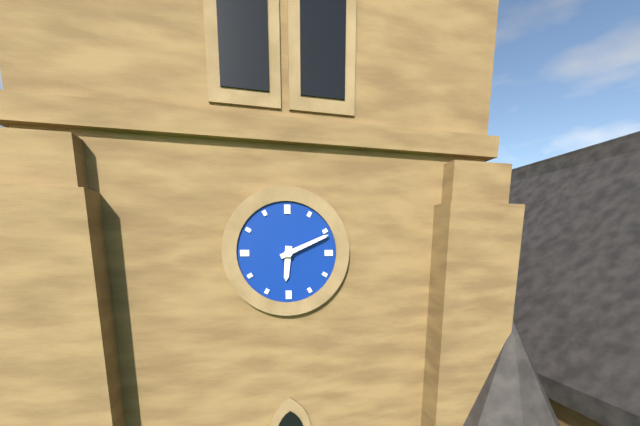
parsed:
6 h 11 min
